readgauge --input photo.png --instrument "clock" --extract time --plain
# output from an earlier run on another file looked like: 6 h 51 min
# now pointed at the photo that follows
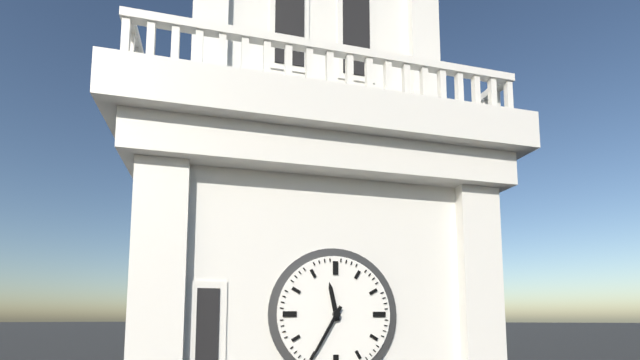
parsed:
11 h 35 min
